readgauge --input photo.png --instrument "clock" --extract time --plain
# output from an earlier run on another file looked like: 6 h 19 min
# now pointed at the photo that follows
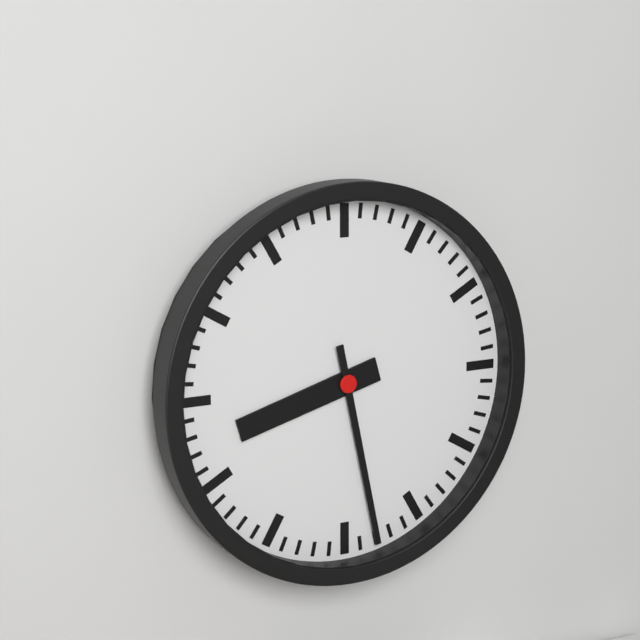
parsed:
8 h 28 min
